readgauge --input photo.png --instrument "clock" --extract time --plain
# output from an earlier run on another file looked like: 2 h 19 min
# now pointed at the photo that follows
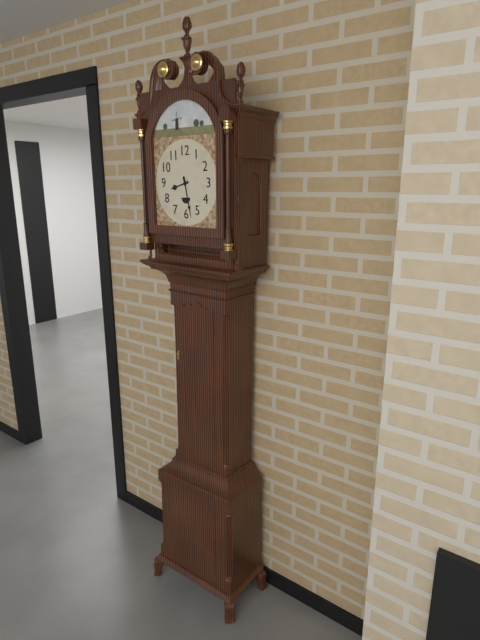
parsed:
8 h 28 min
